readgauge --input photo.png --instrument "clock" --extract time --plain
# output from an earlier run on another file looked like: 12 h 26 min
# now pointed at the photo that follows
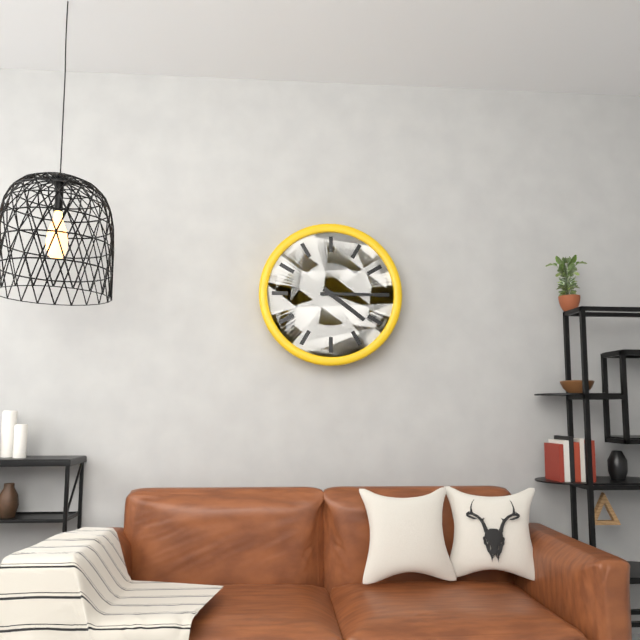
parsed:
4 h 15 min
